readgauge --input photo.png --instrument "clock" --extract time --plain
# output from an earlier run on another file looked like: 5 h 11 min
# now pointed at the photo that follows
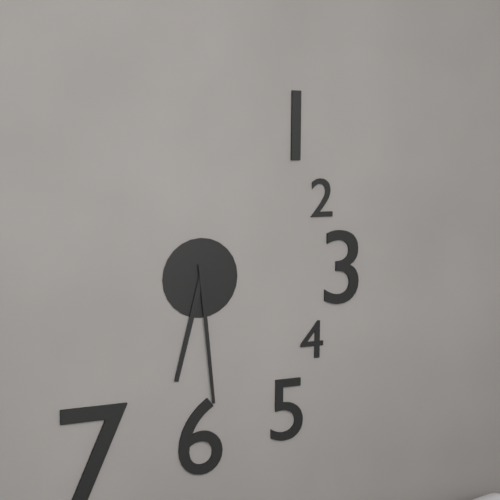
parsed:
6 h 29 min
